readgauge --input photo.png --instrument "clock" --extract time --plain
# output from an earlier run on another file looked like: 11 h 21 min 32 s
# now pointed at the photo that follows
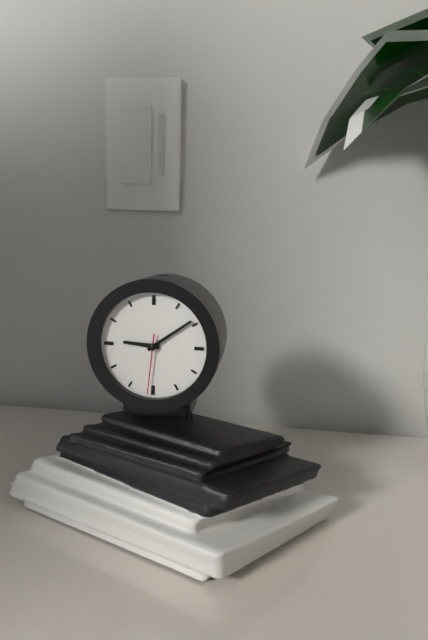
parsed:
9 h 09 min 31 s
